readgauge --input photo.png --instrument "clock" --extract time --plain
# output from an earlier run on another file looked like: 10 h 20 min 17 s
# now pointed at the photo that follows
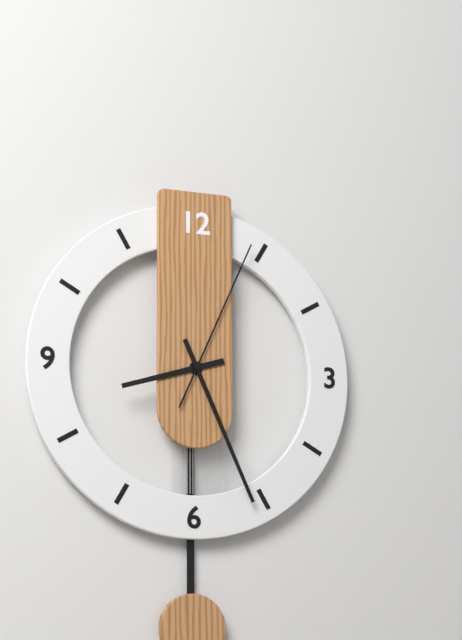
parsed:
8 h 26 min 04 s
